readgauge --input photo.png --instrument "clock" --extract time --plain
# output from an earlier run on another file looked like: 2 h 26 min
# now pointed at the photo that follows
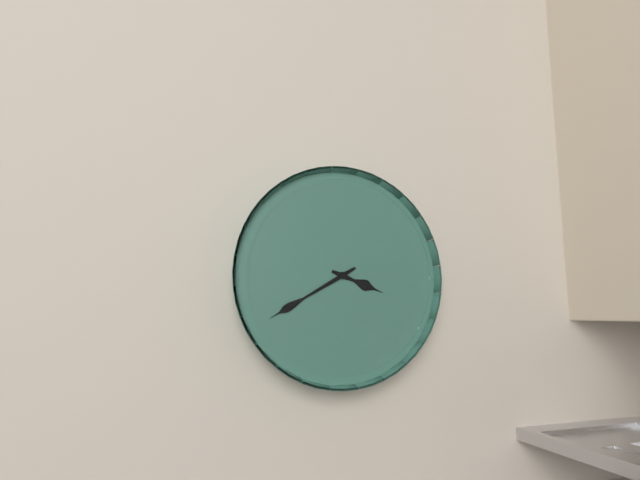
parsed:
3 h 40 min
